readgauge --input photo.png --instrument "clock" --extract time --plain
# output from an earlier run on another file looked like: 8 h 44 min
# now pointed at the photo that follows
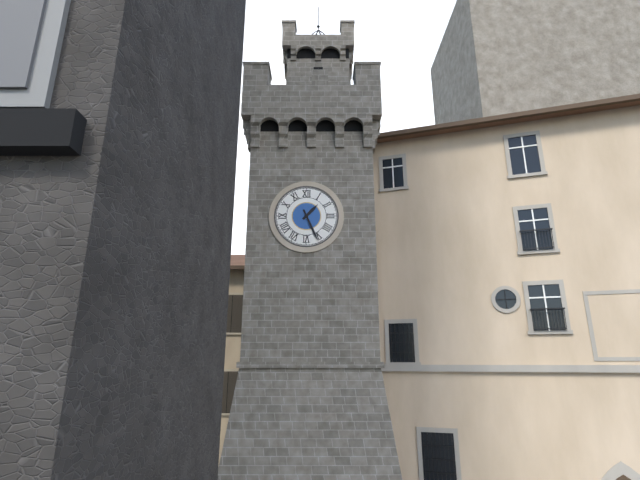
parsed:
1 h 26 min
